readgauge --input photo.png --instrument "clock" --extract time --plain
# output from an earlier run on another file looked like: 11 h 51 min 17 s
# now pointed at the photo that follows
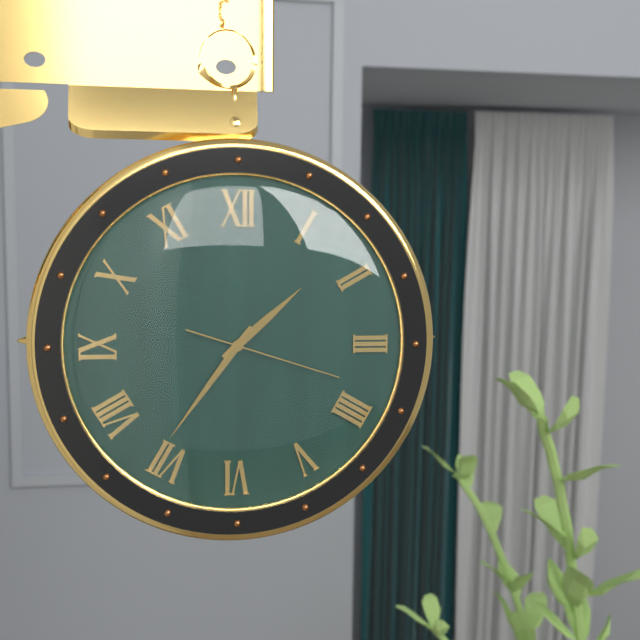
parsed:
1 h 36 min 18 s
